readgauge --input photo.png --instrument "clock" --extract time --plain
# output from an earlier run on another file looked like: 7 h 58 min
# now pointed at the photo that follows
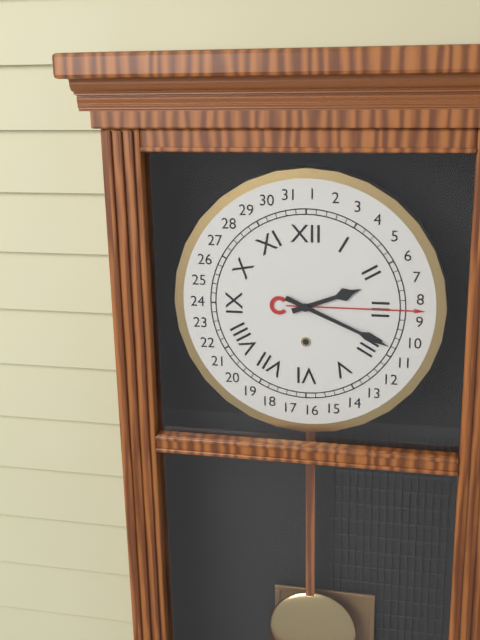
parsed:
2 h 19 min
